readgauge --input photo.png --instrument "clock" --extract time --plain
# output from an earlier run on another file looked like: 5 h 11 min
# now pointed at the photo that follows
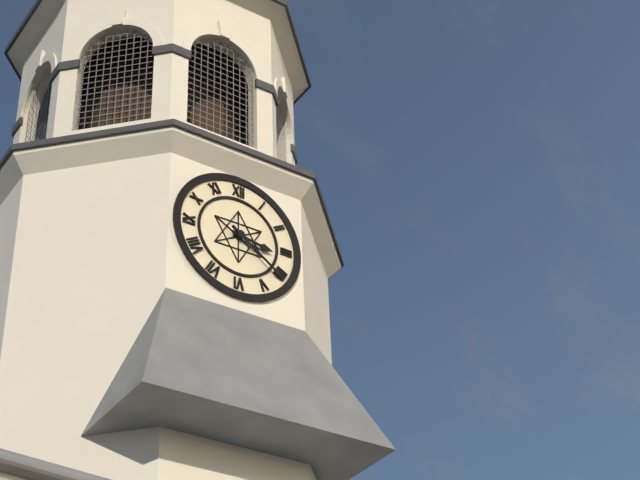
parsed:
3 h 21 min
